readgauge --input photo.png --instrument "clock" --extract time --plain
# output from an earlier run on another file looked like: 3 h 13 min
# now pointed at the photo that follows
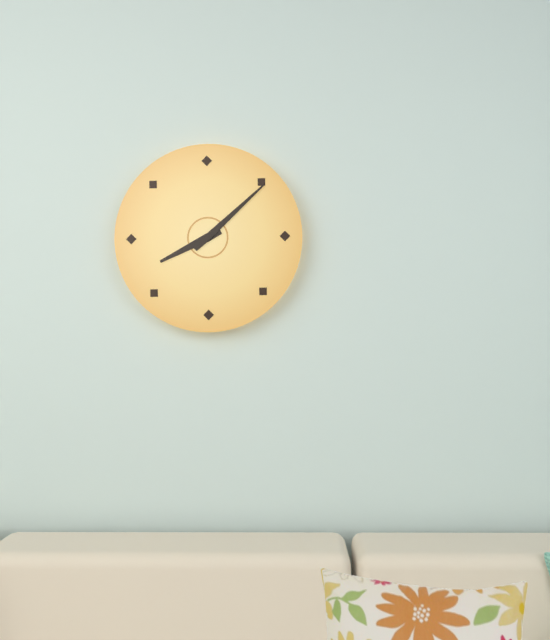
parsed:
8 h 08 min
